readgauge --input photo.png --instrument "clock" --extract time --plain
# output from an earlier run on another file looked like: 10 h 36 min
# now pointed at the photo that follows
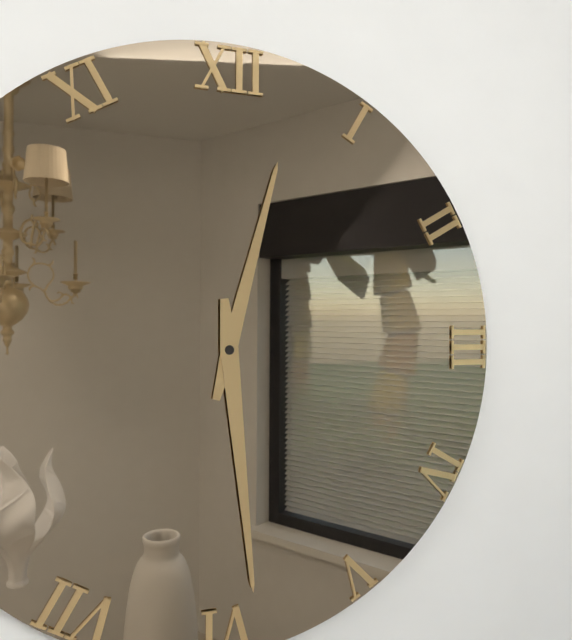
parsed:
12 h 29 min
